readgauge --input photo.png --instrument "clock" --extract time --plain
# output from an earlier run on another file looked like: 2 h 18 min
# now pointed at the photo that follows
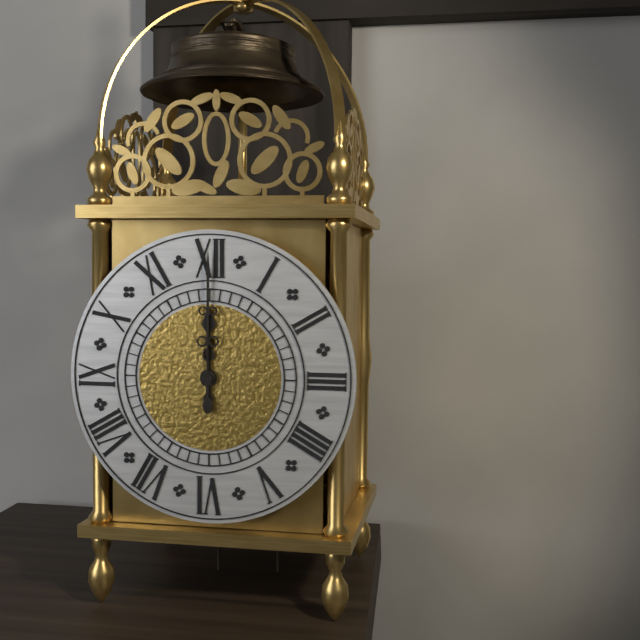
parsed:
12 h 00 min
